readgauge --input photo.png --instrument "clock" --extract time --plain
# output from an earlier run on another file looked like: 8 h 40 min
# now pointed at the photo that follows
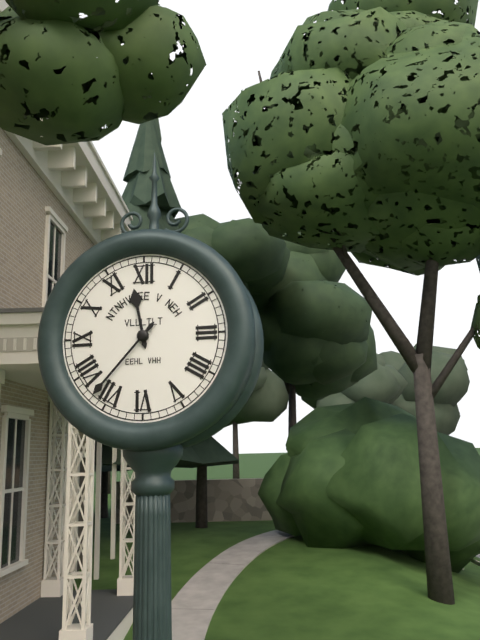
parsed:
11 h 37 min
